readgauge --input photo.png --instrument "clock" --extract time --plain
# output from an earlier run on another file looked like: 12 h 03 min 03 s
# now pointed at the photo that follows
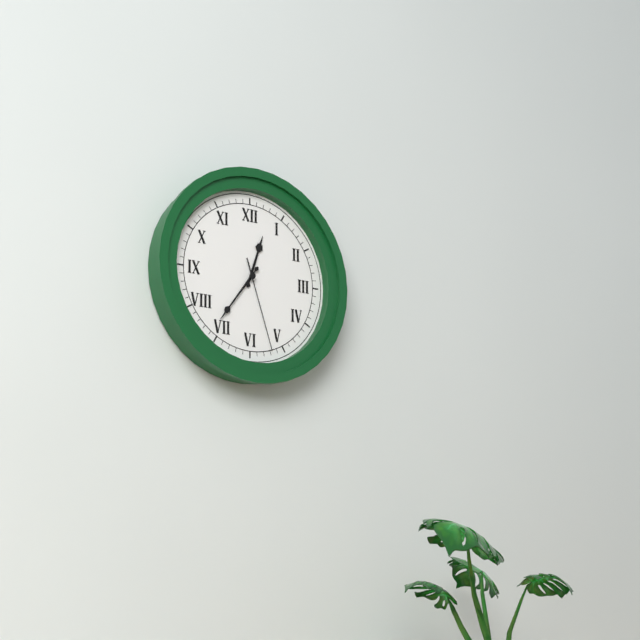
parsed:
12 h 36 min 27 s
